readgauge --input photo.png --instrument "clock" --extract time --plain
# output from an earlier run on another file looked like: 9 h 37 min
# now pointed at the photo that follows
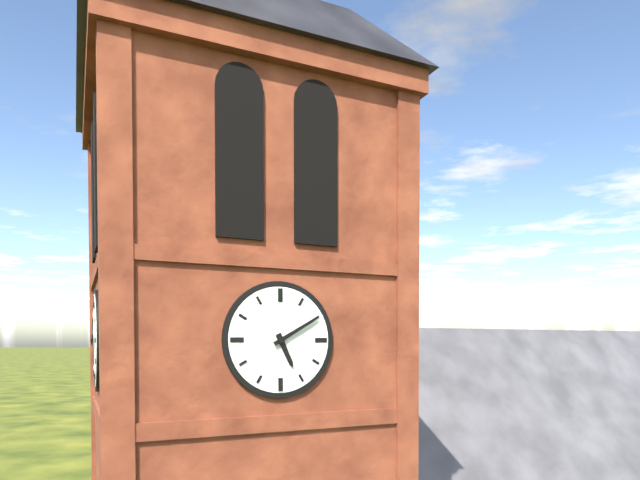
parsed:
5 h 10 min
